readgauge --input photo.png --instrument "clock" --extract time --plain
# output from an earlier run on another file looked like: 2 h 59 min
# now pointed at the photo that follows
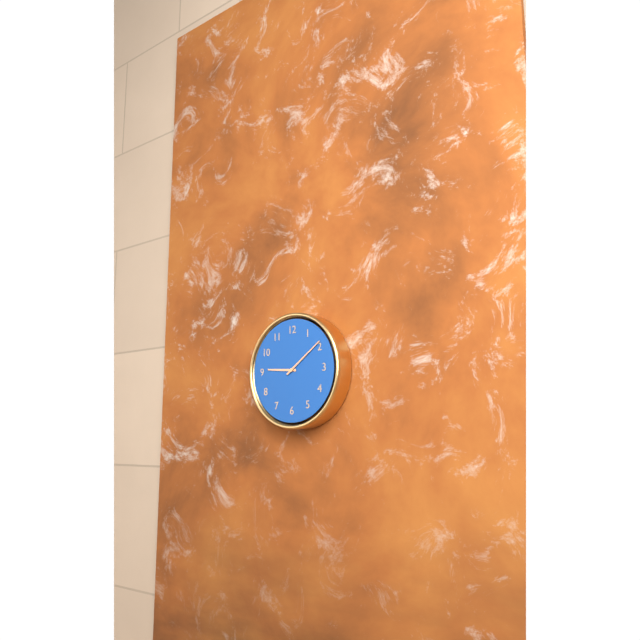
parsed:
9 h 09 min
